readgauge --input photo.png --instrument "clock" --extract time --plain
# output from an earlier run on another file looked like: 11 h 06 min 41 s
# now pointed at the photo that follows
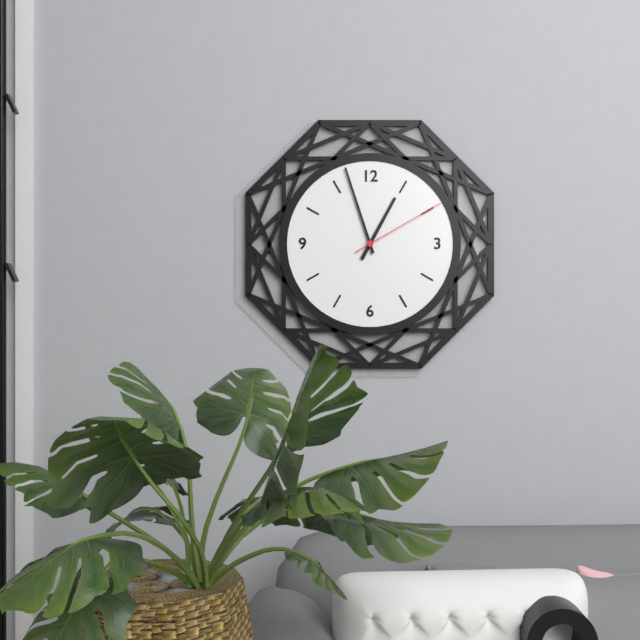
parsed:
12 h 57 min 10 s
